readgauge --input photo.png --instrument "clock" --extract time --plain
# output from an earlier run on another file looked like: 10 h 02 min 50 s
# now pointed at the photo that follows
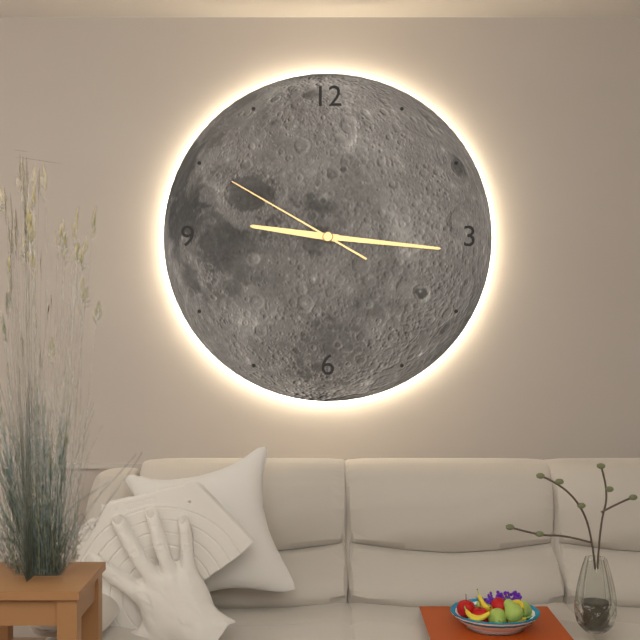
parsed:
9 h 16 min 50 s
